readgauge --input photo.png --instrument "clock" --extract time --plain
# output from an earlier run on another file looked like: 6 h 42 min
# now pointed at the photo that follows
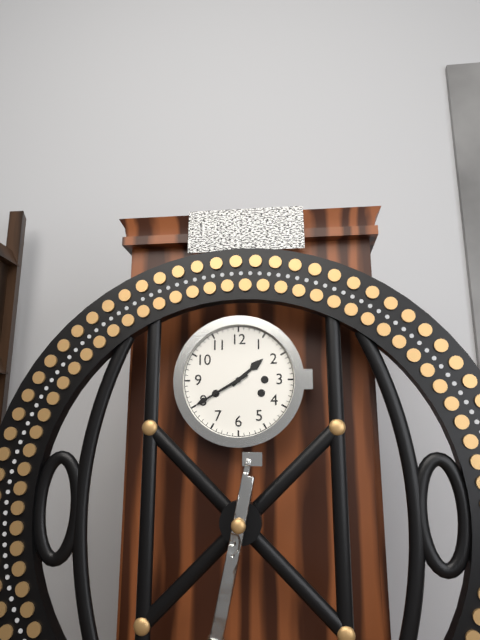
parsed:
1 h 40 min
